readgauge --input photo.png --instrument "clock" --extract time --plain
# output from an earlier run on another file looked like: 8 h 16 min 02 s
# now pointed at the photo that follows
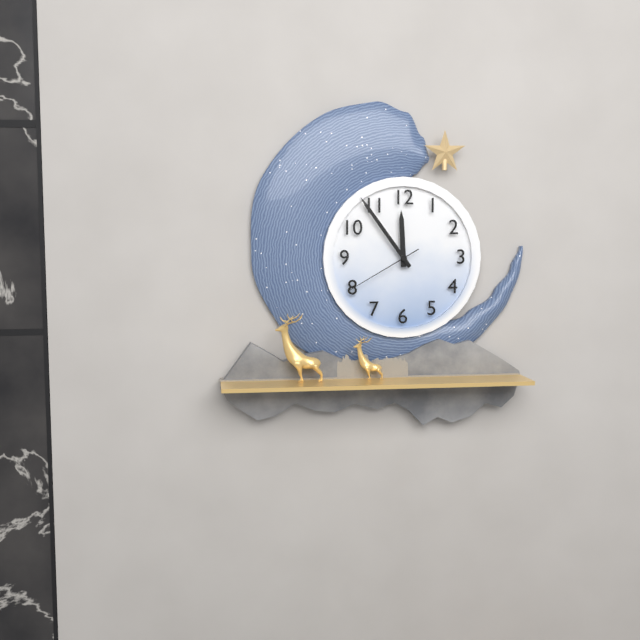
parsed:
11 h 54 min 40 s
